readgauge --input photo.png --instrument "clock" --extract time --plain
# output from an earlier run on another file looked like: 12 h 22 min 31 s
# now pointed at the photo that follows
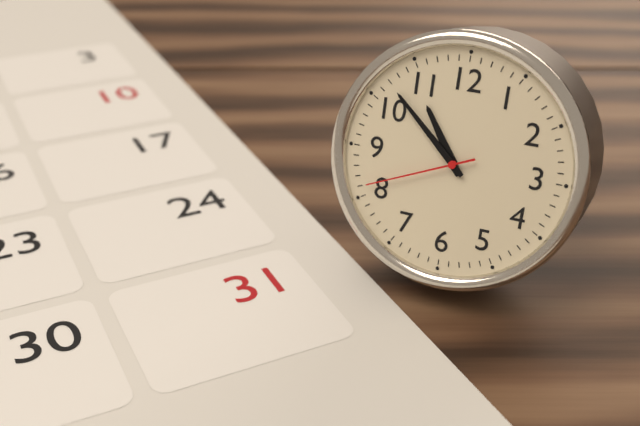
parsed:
10 h 52 min 41 s
